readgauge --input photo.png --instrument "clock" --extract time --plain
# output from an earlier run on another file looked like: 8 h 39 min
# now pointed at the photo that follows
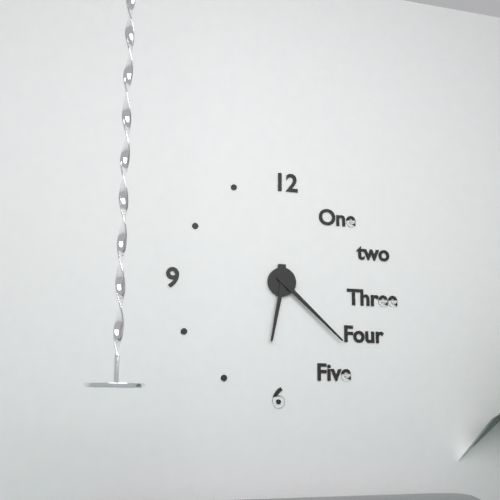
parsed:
6 h 22 min
